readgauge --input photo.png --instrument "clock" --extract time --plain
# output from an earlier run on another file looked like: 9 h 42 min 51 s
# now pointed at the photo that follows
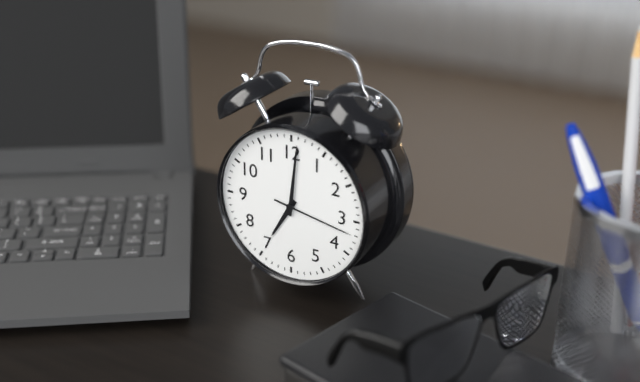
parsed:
7 h 01 min 17 s
